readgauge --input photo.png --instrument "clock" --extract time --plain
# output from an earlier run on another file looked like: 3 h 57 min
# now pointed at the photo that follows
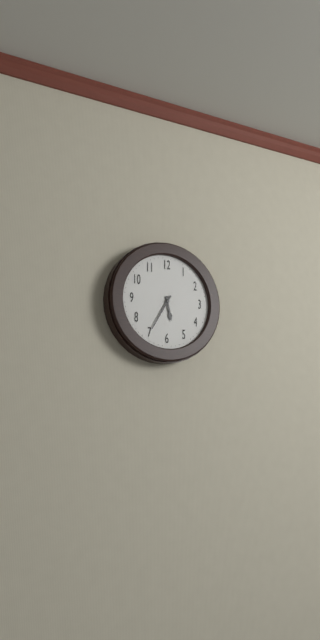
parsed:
5 h 35 min
